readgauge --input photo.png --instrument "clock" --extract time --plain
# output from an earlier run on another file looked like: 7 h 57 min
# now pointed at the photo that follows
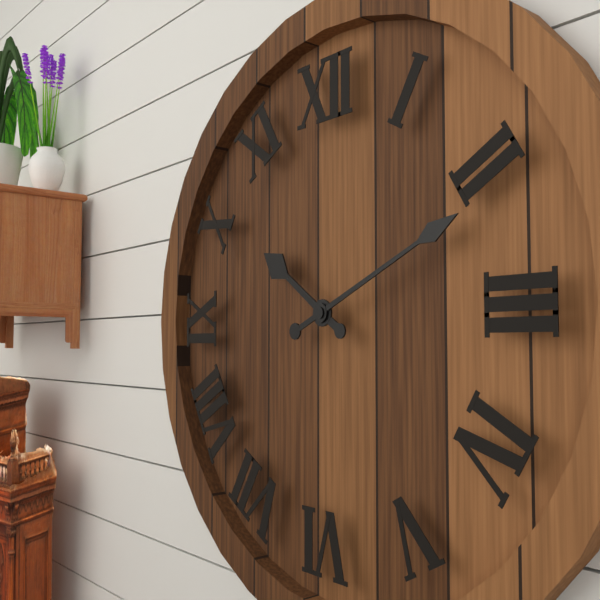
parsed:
10 h 11 min
